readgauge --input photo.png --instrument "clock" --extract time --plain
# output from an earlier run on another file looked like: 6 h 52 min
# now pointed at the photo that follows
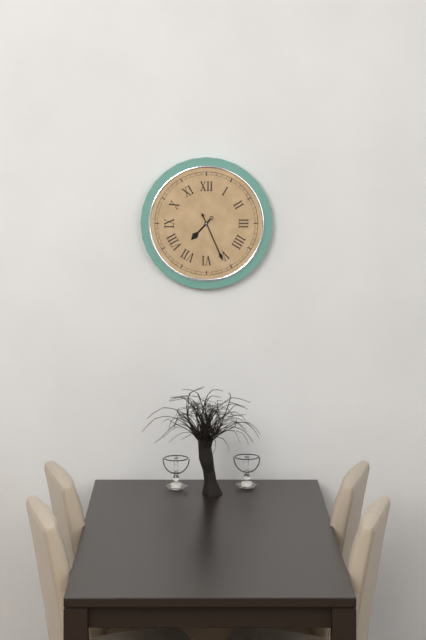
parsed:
7 h 26 min
